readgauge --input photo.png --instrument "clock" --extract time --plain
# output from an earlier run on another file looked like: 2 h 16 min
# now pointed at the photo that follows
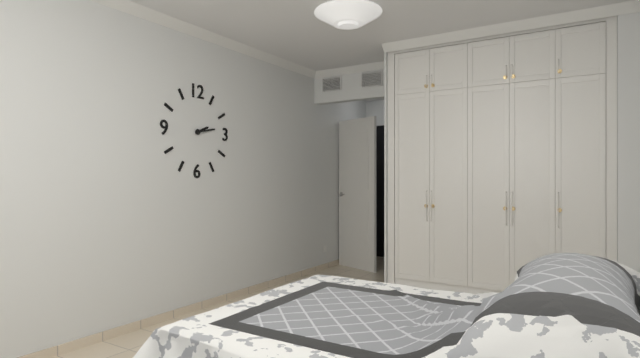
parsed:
2 h 13 min
